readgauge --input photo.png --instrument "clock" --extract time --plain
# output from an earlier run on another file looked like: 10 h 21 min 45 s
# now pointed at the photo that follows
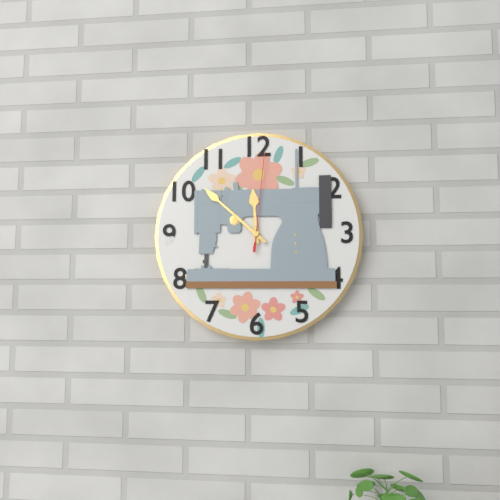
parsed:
11 h 52 min 01 s
